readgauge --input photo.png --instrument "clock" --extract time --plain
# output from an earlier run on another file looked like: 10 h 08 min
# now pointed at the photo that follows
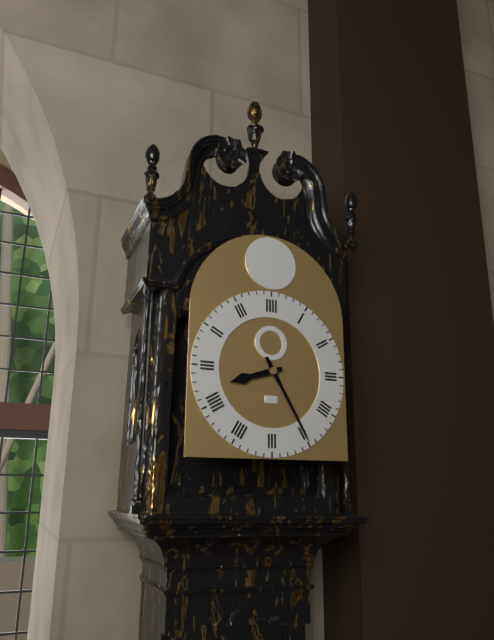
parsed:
8 h 25 min
